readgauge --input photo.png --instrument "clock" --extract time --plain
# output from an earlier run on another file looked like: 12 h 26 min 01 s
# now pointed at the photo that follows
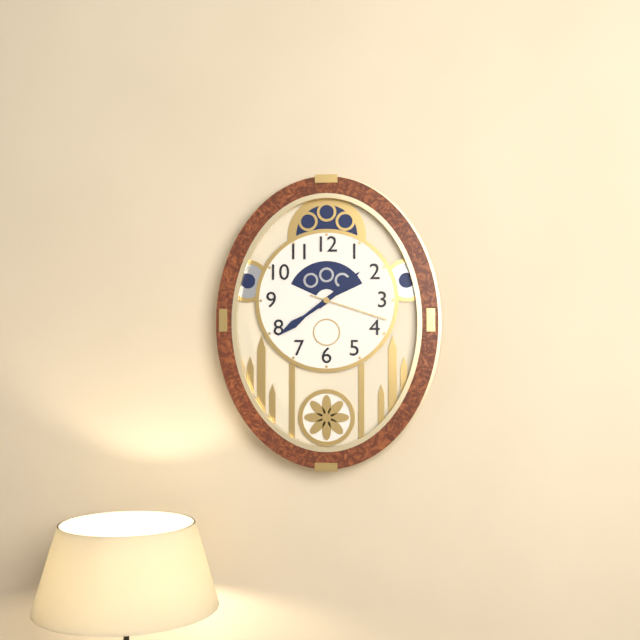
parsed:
1 h 39 min 18 s
